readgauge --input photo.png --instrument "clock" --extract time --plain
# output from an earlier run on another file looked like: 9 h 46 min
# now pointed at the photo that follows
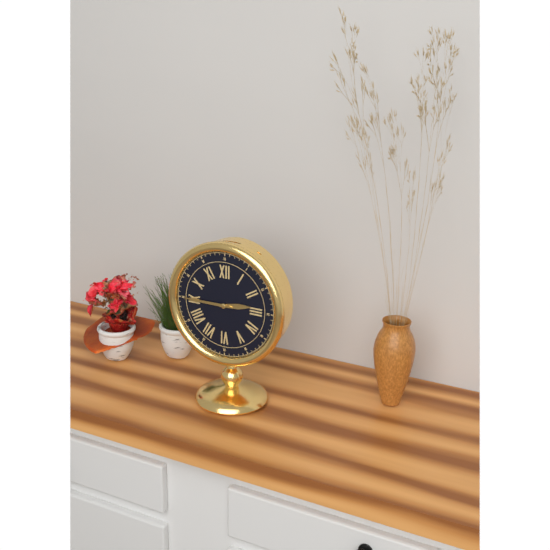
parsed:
2 h 45 min
